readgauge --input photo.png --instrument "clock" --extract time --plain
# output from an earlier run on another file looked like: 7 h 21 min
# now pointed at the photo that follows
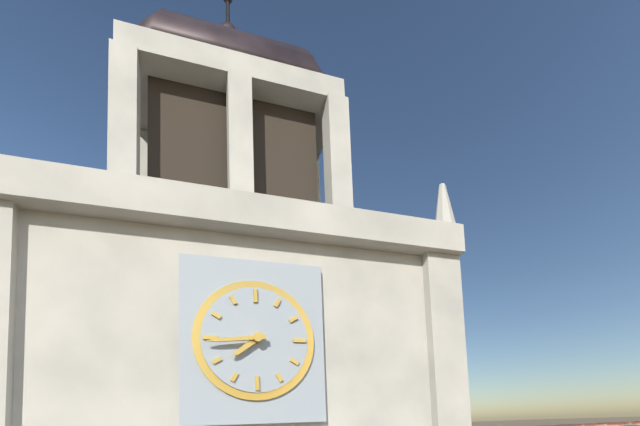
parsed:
7 h 44 min
